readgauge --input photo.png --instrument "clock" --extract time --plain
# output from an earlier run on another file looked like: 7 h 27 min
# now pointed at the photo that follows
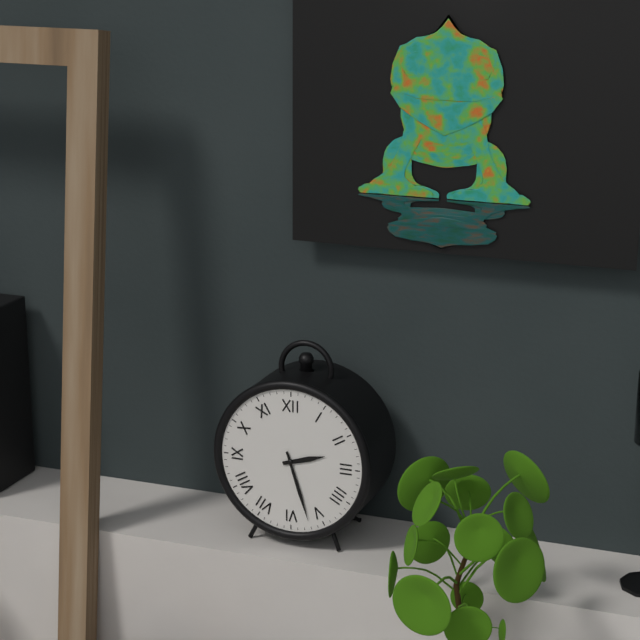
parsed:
2 h 27 min
